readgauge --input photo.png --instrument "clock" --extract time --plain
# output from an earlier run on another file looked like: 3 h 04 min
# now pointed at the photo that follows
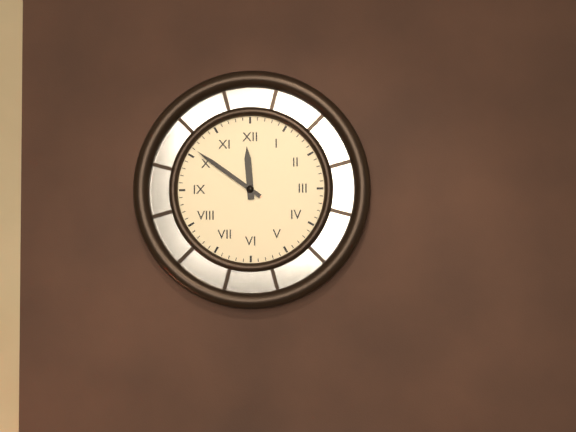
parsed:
11 h 51 min
